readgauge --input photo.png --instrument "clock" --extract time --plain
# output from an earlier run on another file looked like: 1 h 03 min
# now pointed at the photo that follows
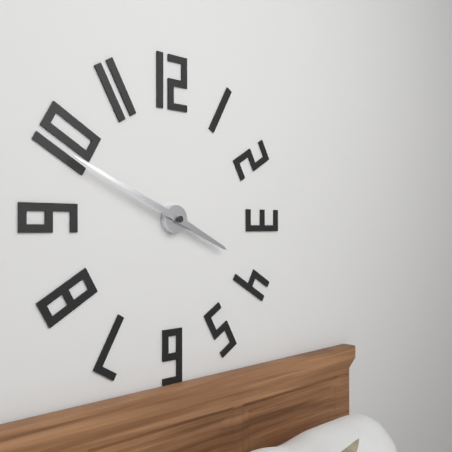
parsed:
3 h 49 min
